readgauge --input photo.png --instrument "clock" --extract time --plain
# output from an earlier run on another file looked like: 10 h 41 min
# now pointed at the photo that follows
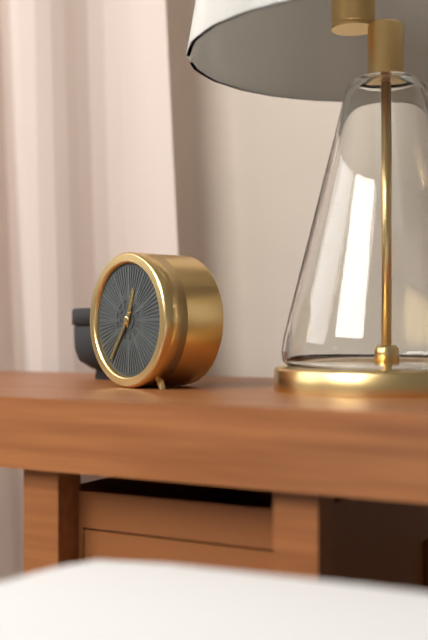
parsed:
12 h 36 min
